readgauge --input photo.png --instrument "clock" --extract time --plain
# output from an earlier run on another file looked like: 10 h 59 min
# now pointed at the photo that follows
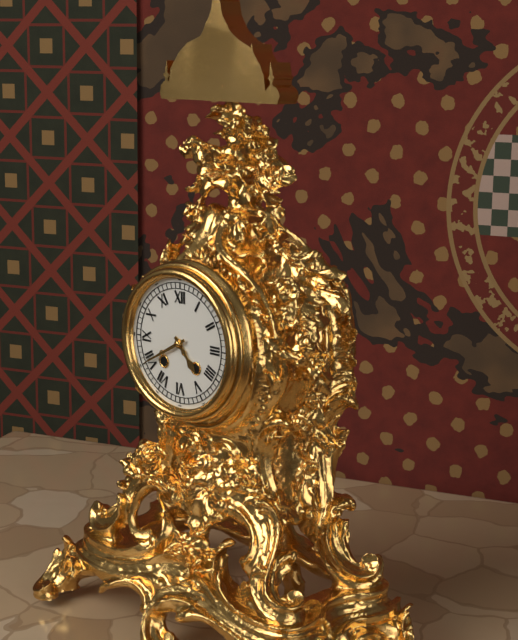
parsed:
4 h 40 min
